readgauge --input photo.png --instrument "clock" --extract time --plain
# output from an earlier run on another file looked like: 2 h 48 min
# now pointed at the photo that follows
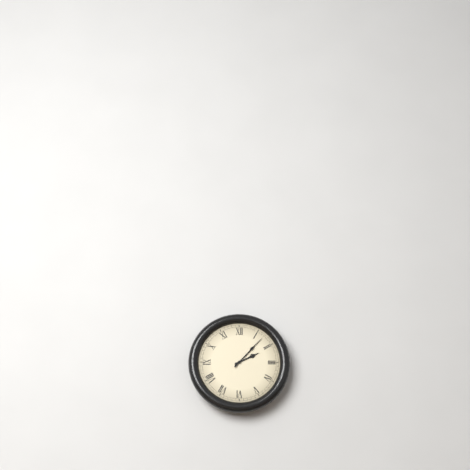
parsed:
2 h 07 min
